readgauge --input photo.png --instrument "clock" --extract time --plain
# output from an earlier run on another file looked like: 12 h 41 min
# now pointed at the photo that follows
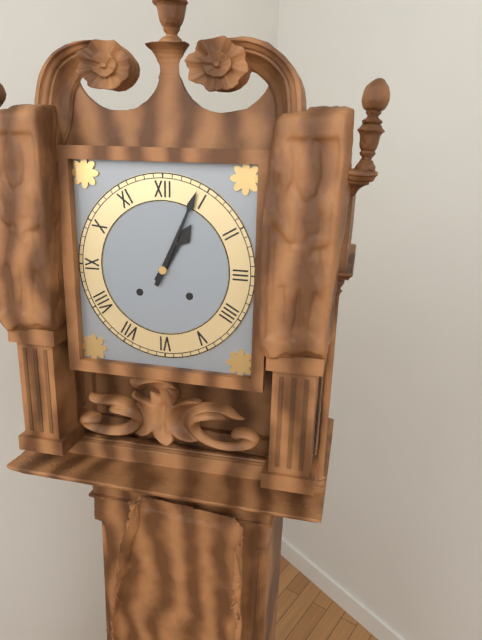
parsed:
1 h 04 min
